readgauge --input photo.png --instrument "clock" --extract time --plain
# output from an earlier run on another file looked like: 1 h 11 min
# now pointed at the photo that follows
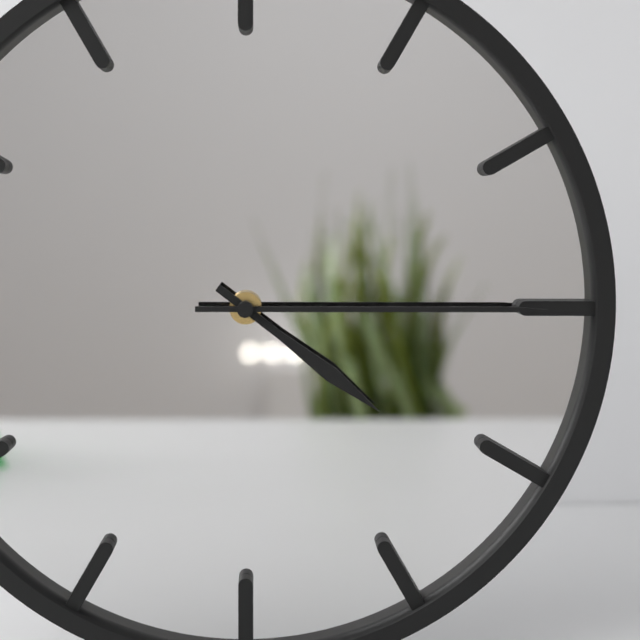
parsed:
4 h 15 min
